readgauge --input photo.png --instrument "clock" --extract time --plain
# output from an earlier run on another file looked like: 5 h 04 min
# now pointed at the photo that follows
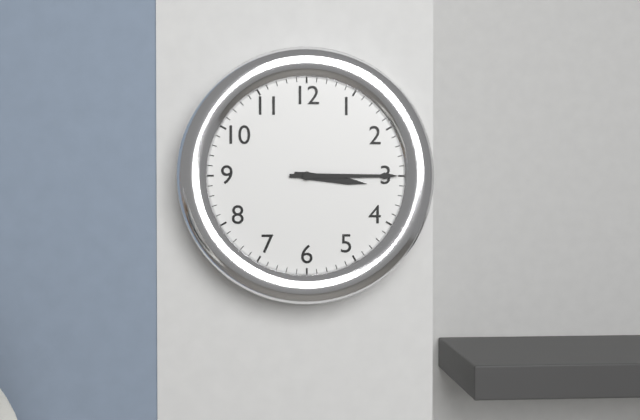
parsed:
3 h 15 min
